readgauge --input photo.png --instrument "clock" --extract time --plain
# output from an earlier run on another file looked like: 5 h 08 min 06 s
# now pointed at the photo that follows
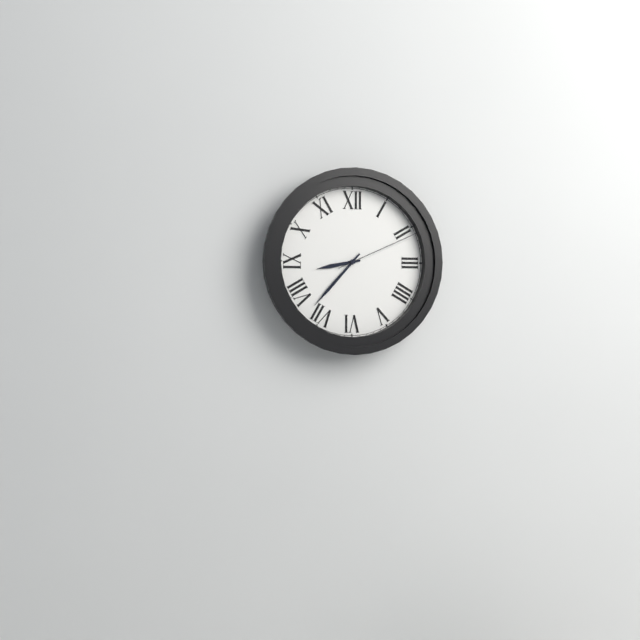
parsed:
8 h 37 min 11 s
